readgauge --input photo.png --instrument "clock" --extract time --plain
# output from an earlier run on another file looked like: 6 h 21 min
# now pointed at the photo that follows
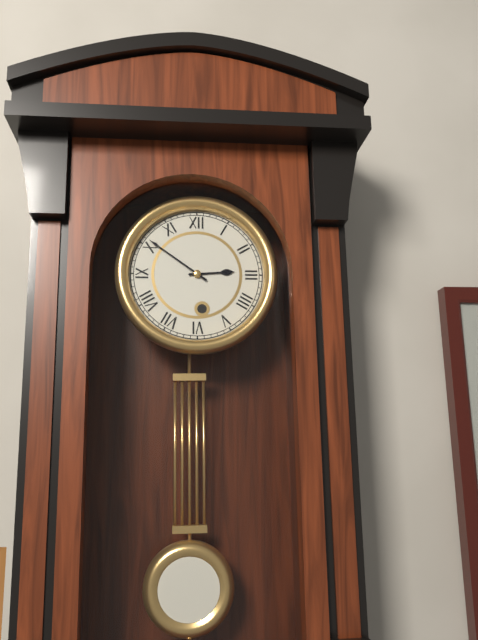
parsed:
2 h 51 min
